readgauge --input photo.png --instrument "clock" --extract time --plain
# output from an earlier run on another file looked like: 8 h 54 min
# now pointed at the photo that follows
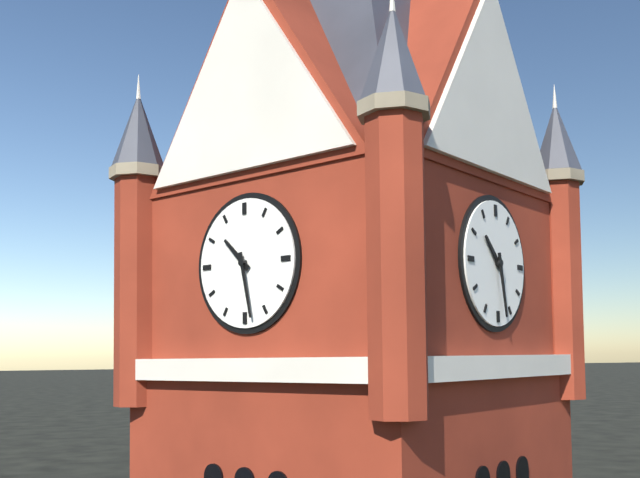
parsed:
10 h 28 min
